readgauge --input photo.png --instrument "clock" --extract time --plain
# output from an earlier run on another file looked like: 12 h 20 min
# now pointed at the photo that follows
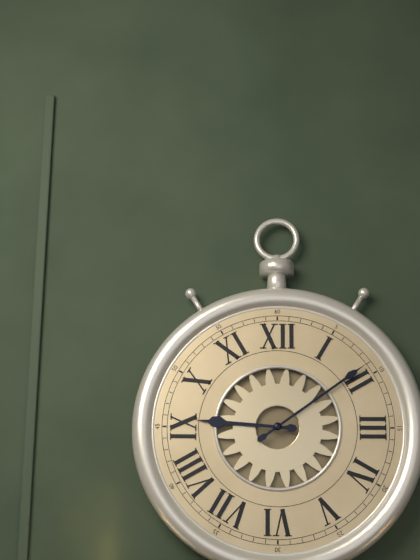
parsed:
9 h 09 min
